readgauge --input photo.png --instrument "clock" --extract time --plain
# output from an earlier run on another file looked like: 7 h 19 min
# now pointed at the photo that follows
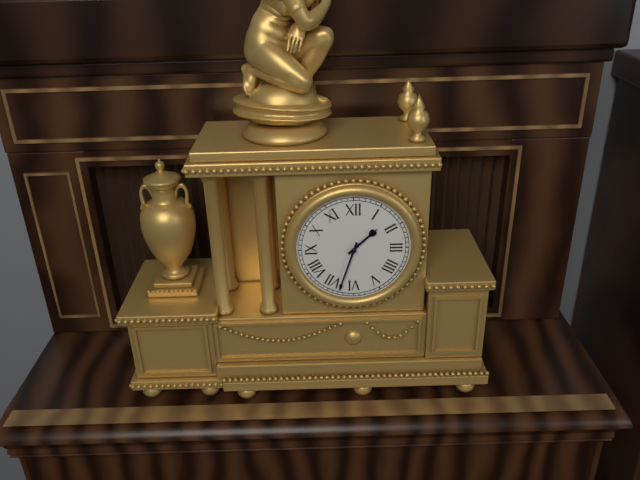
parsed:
1 h 33 min
